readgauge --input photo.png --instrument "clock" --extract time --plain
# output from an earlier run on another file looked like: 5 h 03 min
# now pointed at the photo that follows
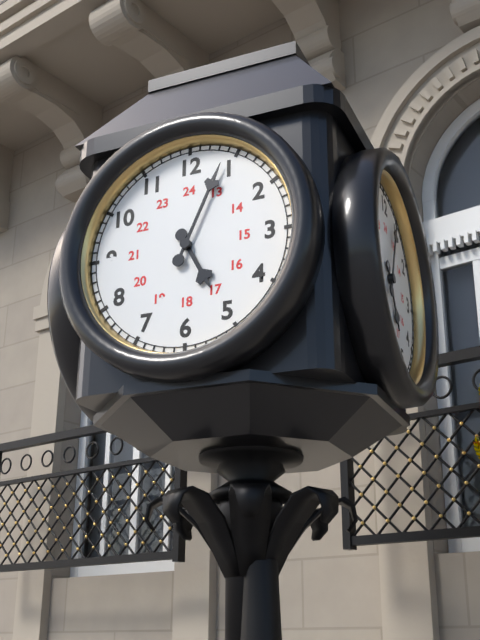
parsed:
5 h 04 min
